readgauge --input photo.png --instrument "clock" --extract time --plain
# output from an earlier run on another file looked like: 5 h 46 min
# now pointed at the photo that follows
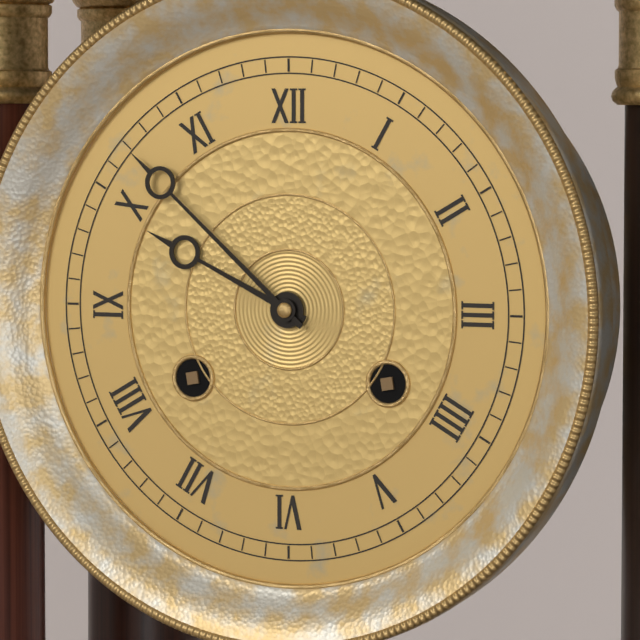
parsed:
9 h 52 min
